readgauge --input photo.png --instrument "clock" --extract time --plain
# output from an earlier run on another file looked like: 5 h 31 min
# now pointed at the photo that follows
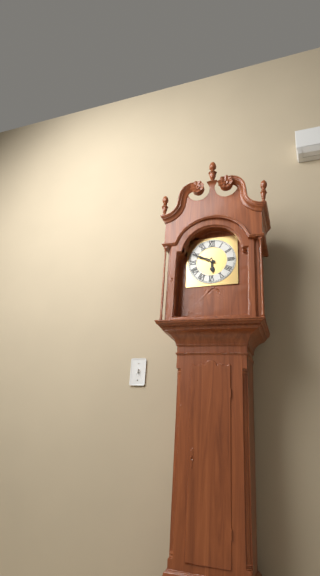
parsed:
5 h 49 min
